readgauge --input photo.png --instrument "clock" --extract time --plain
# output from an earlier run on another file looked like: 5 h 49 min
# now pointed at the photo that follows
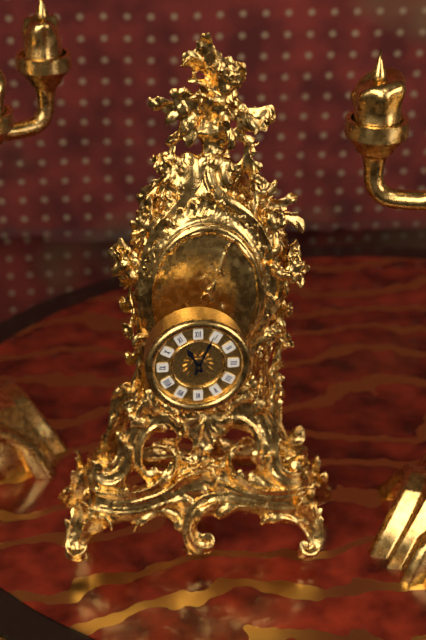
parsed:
11 h 04 min
